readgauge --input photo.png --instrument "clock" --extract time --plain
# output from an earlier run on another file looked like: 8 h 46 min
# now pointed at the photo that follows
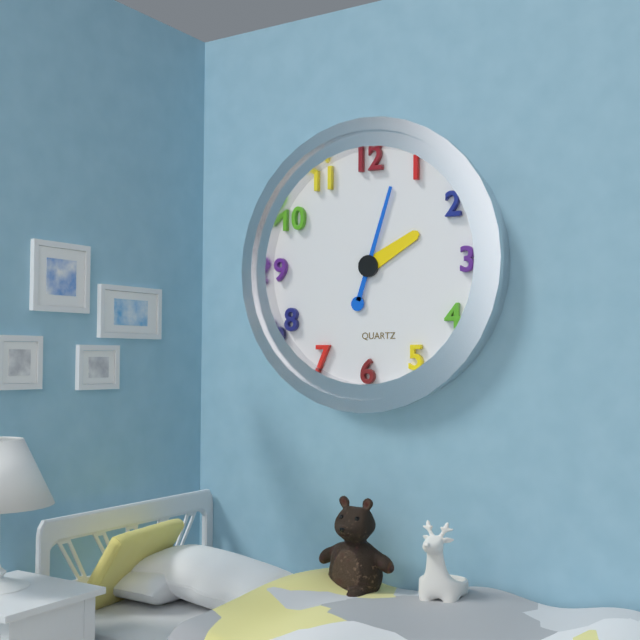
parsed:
2 h 03 min
